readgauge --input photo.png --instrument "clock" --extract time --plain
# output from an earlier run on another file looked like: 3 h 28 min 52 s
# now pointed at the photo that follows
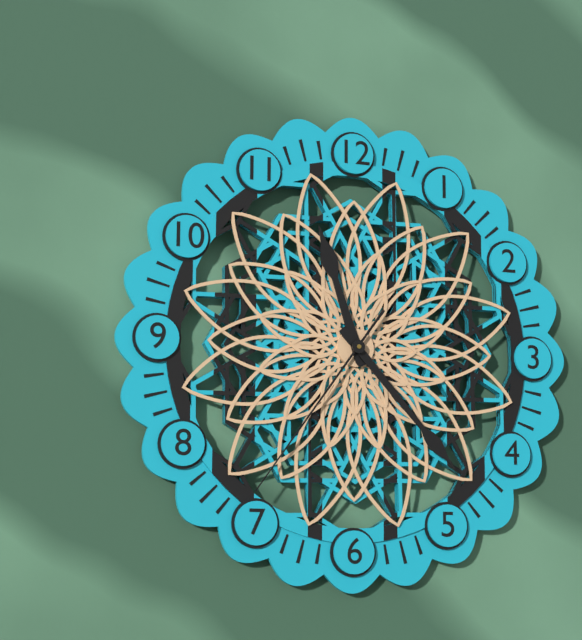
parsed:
11 h 23 min 36 s
